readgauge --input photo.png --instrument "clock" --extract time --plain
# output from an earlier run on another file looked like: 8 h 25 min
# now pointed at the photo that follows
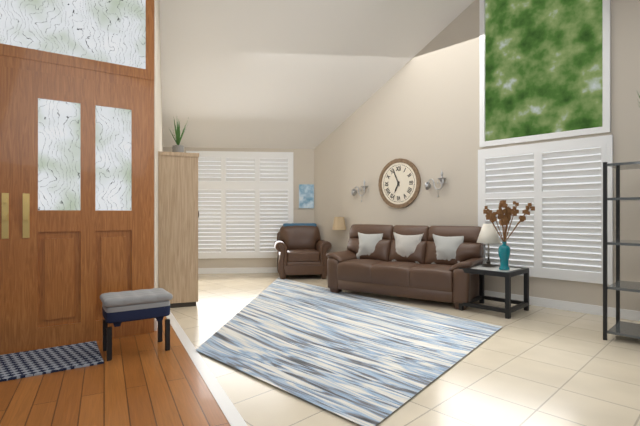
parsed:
6 h 56 min
